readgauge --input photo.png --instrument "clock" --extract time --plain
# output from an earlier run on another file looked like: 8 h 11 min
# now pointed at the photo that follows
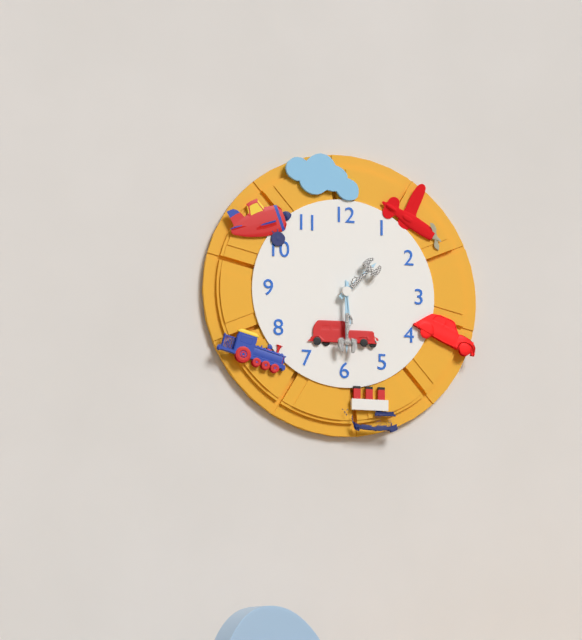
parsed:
1 h 30 min
